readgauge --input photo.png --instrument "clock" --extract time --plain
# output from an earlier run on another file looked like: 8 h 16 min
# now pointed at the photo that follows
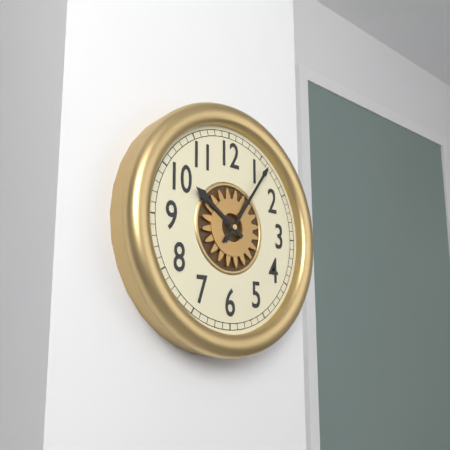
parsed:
10 h 06 min
